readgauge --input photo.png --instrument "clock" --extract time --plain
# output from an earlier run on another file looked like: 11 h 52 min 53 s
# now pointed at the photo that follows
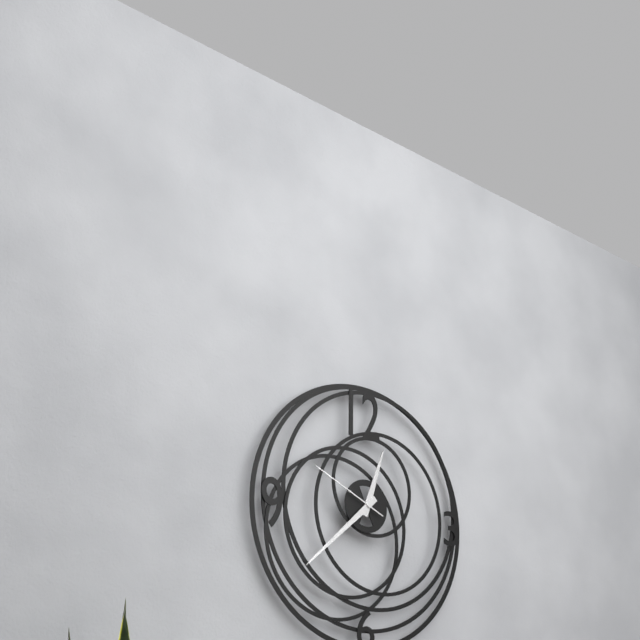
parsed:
12 h 38 min 49 s
